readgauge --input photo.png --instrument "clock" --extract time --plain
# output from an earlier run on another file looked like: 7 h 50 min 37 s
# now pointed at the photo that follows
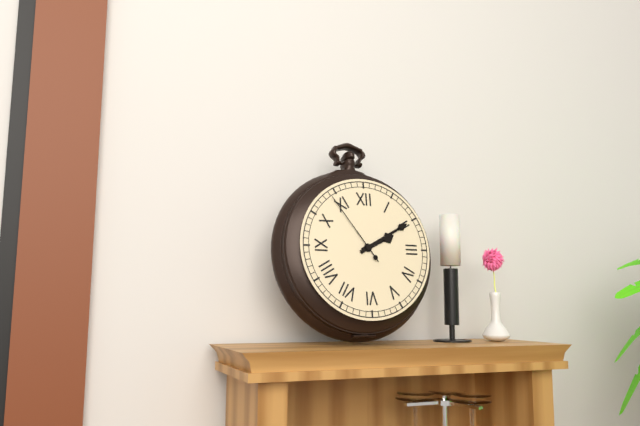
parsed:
2 h 10 min 54 s
